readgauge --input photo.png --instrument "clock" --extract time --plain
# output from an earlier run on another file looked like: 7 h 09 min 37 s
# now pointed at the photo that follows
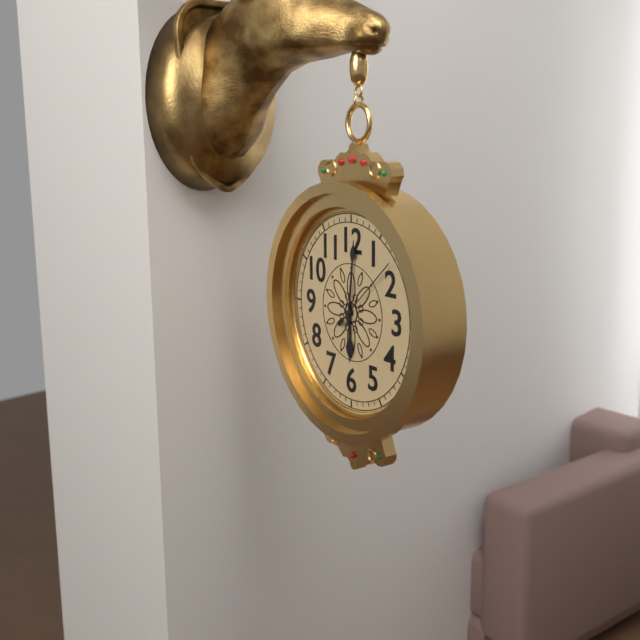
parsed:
6 h 01 min 08 s
